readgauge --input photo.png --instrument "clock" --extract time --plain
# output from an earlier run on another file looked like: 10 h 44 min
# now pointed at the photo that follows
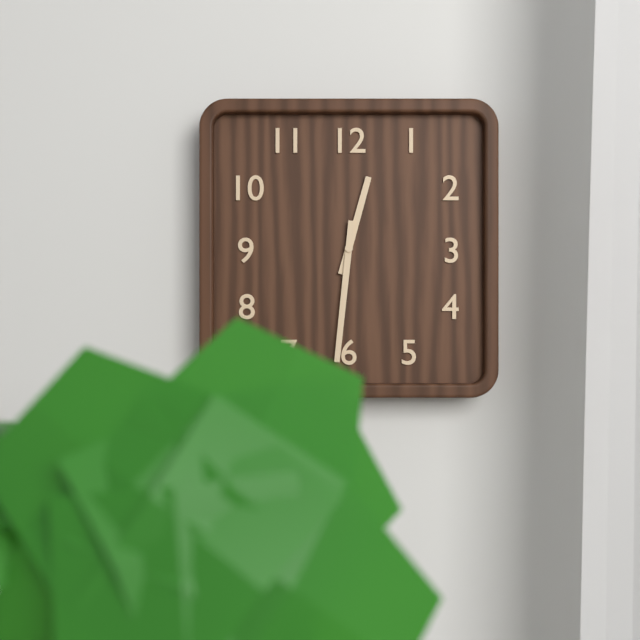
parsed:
12 h 31 min
